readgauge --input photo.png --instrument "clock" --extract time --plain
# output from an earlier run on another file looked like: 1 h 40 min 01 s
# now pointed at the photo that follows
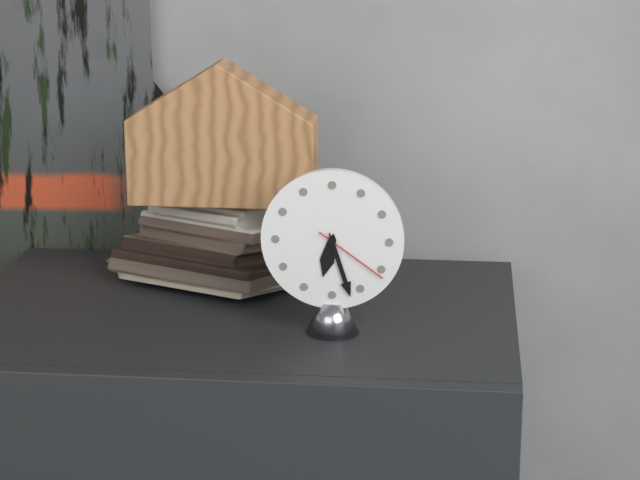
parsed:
6 h 27 min 21 s
